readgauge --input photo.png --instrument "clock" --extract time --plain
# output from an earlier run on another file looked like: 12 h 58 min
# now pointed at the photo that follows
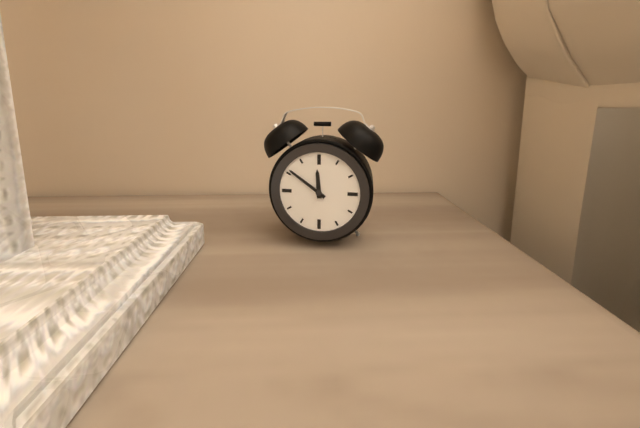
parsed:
11 h 51 min
